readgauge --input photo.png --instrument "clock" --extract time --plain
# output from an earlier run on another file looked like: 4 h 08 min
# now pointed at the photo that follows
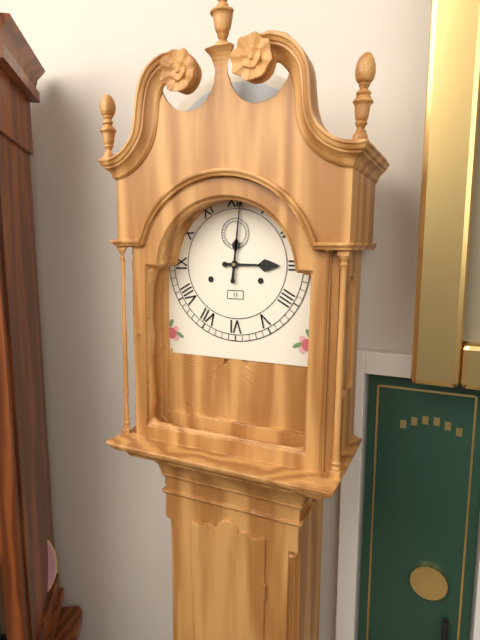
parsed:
3 h 01 min
